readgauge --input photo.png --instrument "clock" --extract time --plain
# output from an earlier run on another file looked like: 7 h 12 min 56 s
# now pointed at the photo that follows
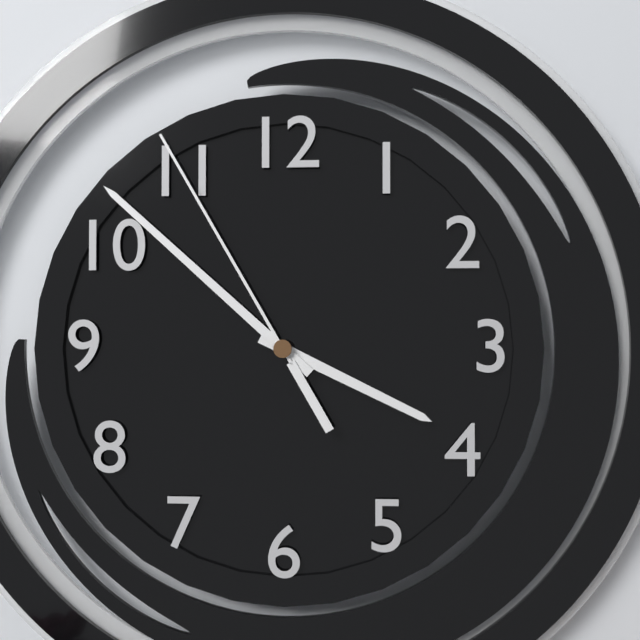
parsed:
3 h 52 min 55 s
